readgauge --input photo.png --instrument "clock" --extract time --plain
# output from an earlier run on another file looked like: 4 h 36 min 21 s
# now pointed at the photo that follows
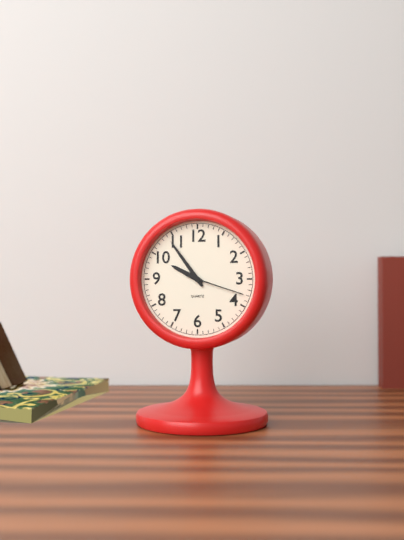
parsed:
9 h 54 min 18 s
